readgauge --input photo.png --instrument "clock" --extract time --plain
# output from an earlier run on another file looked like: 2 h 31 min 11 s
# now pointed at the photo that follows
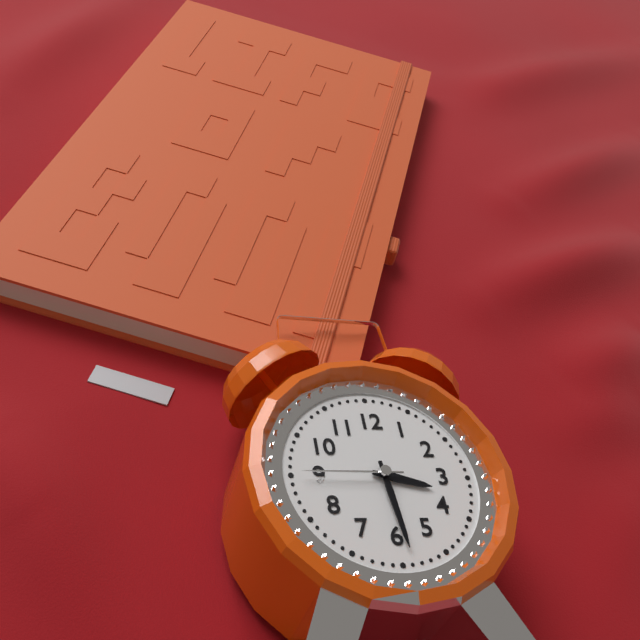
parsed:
3 h 29 min 45 s
